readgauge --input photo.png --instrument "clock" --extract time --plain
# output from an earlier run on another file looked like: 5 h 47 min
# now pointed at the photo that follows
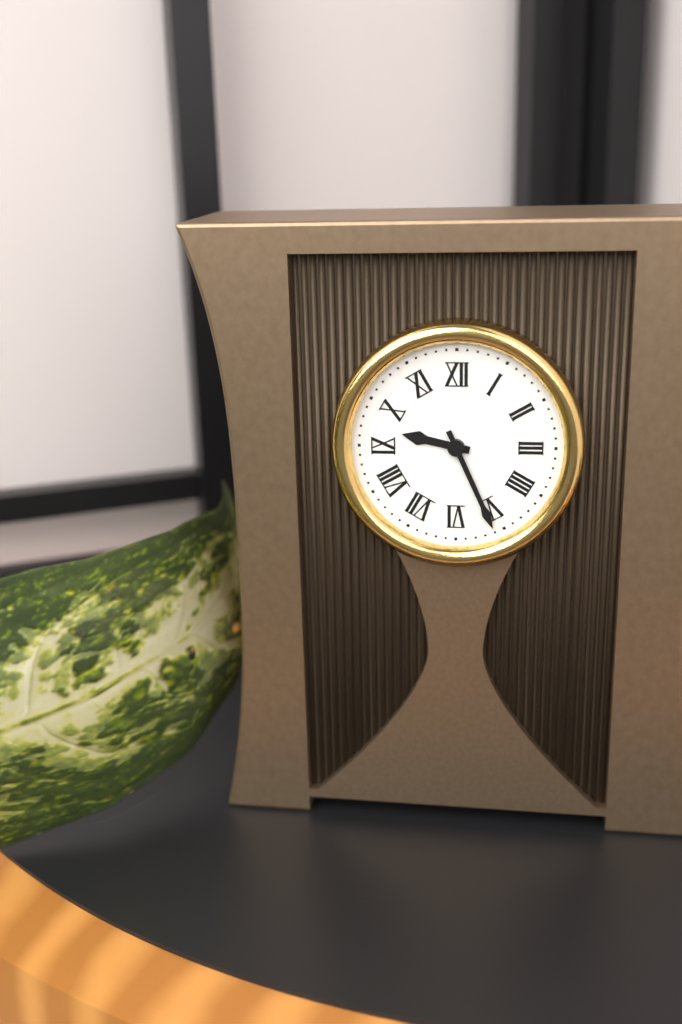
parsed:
9 h 26 min
